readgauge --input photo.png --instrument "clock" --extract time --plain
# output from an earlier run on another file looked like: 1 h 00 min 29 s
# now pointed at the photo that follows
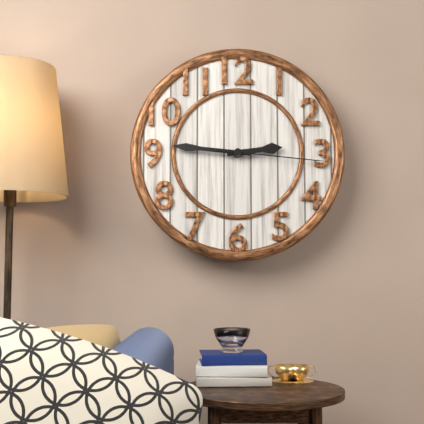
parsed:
2 h 46 min 16 s
